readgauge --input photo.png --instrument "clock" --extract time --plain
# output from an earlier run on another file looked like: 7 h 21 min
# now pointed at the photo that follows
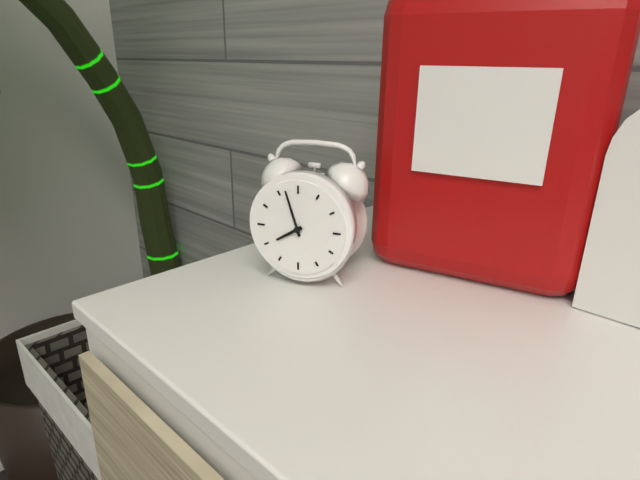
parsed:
7 h 57 min
